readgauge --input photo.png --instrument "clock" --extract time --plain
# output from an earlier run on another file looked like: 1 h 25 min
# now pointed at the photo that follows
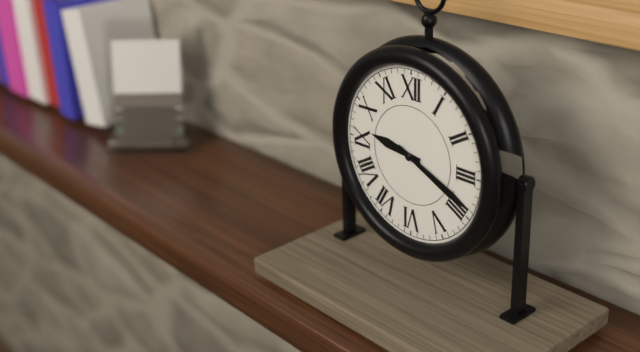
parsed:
9 h 19 min
